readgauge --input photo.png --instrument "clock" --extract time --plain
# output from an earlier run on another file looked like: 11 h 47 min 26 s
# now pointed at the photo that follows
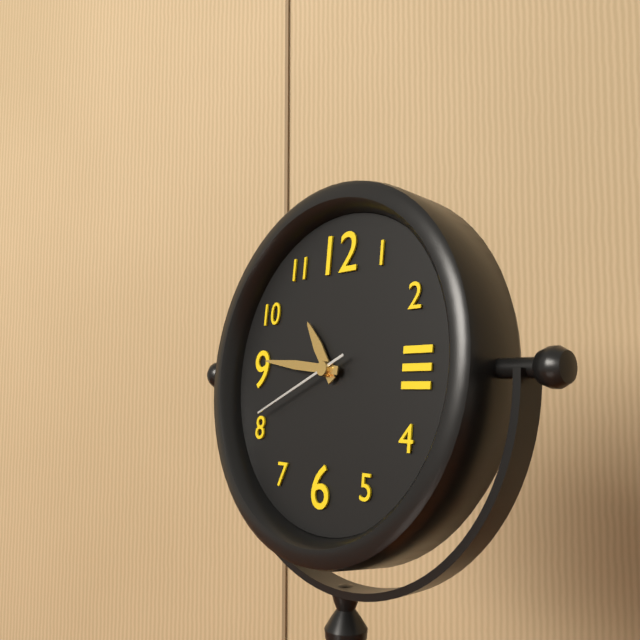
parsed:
10 h 46 min 41 s
